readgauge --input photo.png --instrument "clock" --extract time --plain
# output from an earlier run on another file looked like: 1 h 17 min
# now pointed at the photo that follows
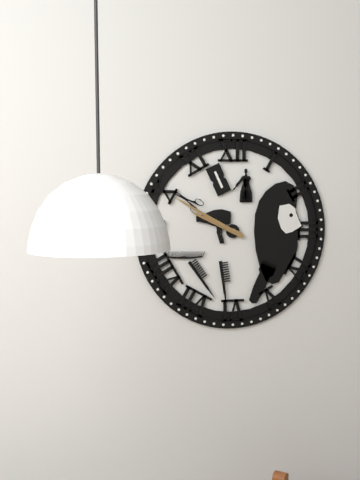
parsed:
9 h 50 min
